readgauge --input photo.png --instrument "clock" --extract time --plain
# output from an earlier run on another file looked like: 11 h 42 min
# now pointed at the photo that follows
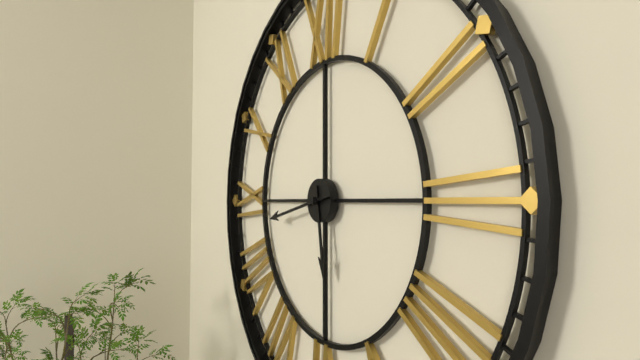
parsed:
5 h 43 min
